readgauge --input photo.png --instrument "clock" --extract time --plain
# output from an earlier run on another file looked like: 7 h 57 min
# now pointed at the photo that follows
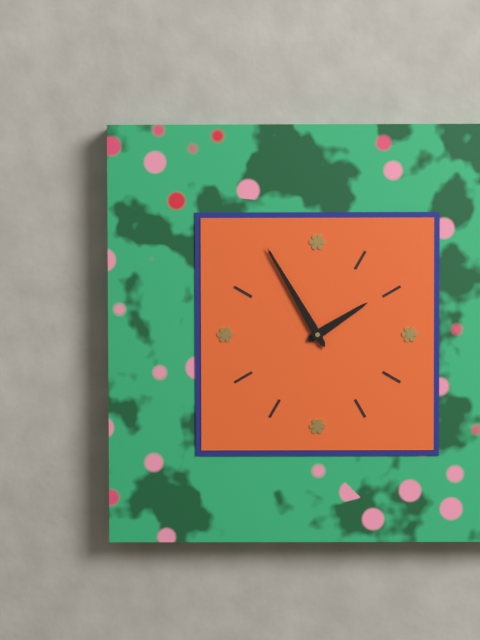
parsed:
1 h 55 min
